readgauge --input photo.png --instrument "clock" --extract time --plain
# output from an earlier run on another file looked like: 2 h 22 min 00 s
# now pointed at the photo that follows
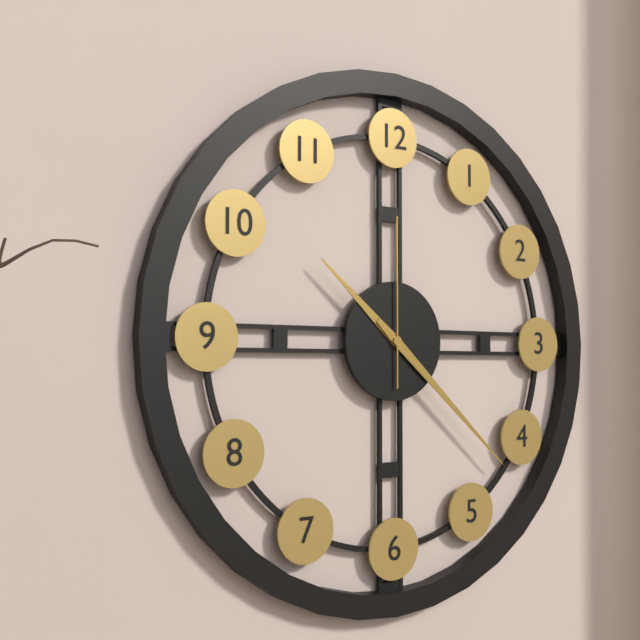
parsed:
10 h 22 min 00 s
